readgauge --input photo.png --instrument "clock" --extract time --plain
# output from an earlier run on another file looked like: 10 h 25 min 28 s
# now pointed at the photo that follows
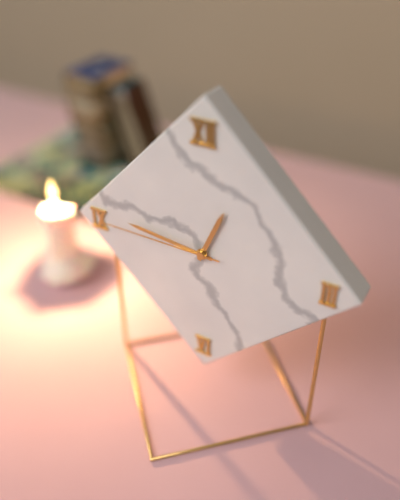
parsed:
12 h 46 min 45 s
